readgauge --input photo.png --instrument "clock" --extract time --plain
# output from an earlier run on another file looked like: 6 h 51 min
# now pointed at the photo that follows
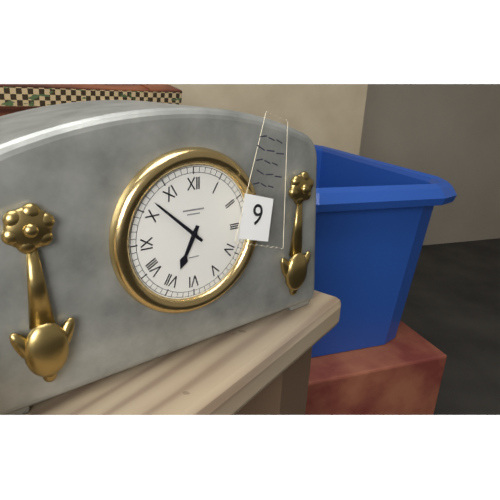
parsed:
6 h 52 min
